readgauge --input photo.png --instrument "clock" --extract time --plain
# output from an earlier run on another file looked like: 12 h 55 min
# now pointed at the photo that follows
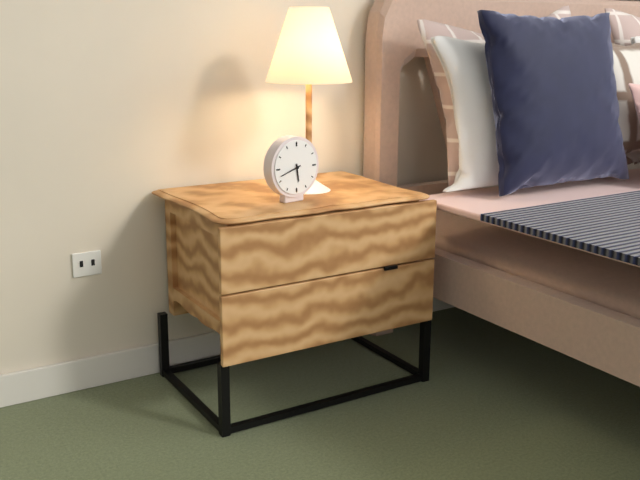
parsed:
5 h 42 min
